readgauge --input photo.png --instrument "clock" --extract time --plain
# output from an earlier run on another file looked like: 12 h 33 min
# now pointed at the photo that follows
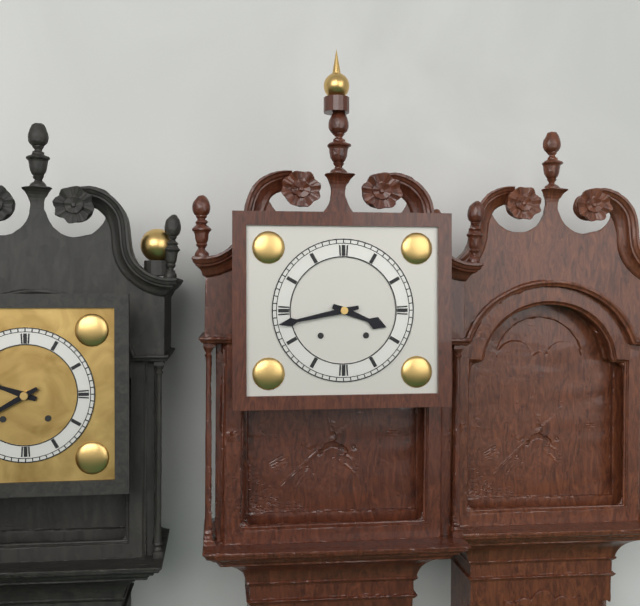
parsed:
3 h 43 min
